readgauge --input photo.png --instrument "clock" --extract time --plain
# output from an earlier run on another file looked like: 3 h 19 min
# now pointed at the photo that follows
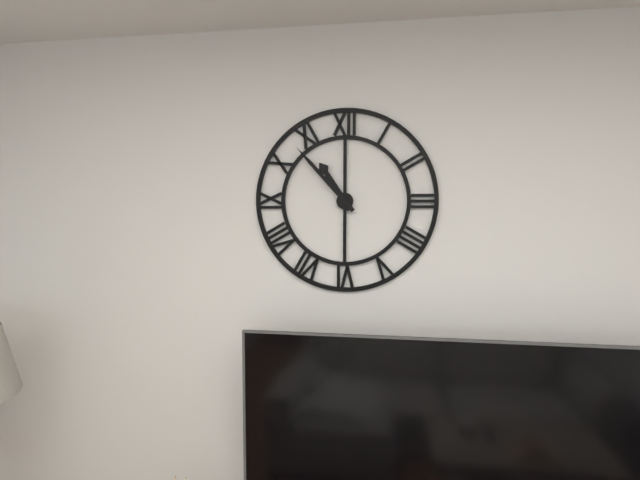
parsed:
10 h 53 min
